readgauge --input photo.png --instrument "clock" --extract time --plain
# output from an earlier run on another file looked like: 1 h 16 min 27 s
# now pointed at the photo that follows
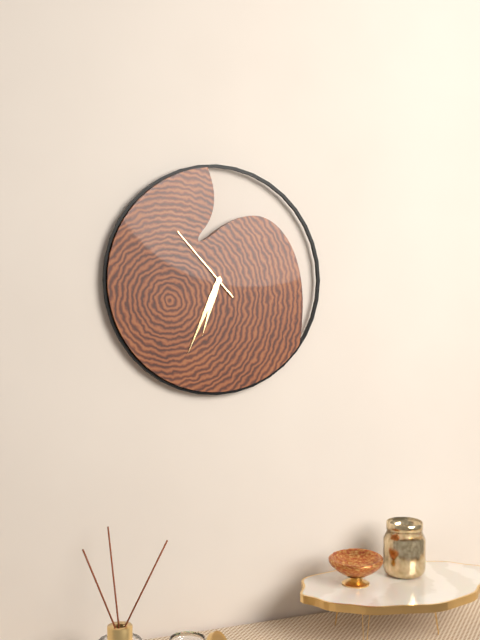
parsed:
6 h 34 min 53 s
